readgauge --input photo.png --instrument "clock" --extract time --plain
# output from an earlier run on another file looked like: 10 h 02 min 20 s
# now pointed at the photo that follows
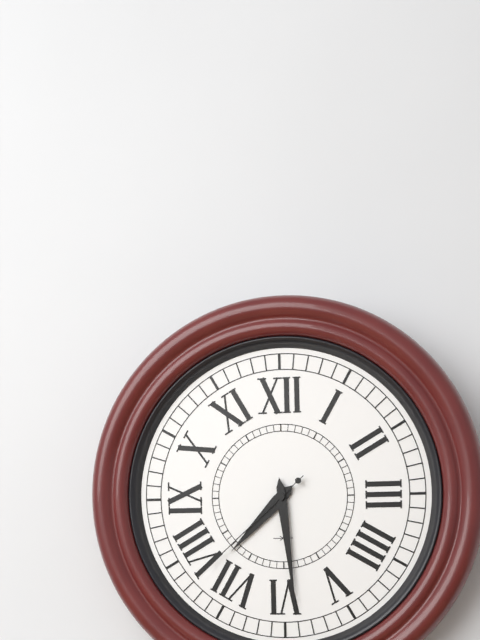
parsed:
7 h 29 min 38 s
